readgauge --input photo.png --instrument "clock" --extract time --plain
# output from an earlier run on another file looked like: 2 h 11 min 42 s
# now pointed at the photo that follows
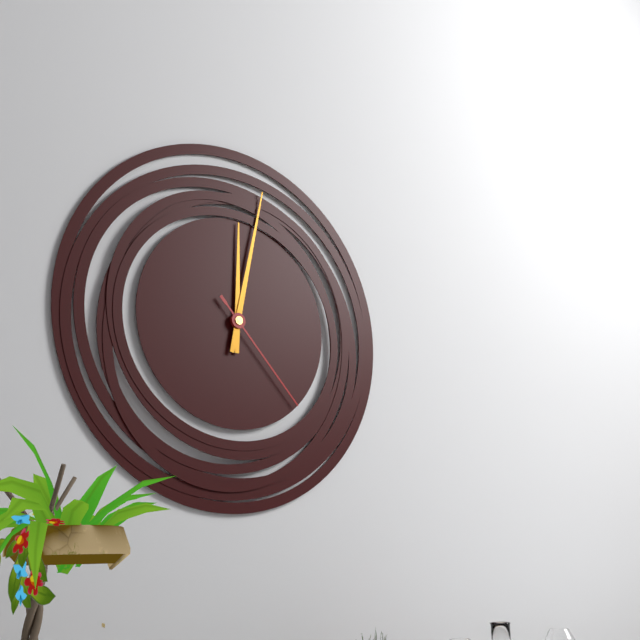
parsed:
12 h 02 min 23 s
